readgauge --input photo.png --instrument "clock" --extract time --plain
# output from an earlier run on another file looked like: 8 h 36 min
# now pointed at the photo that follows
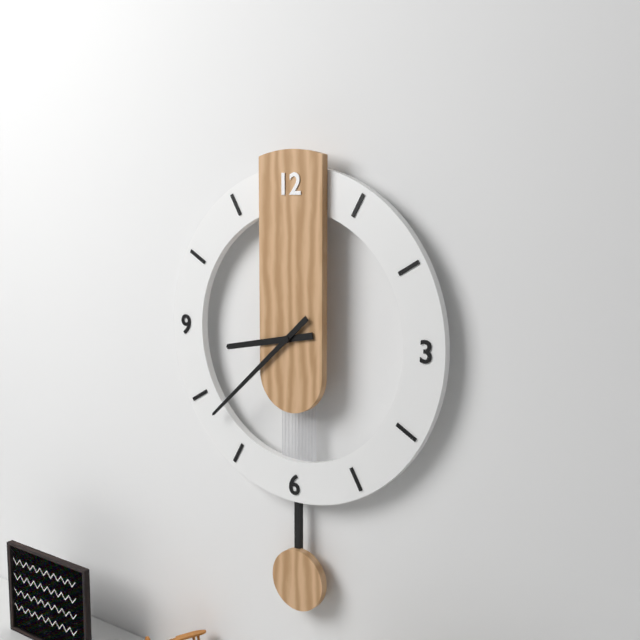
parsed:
8 h 38 min
